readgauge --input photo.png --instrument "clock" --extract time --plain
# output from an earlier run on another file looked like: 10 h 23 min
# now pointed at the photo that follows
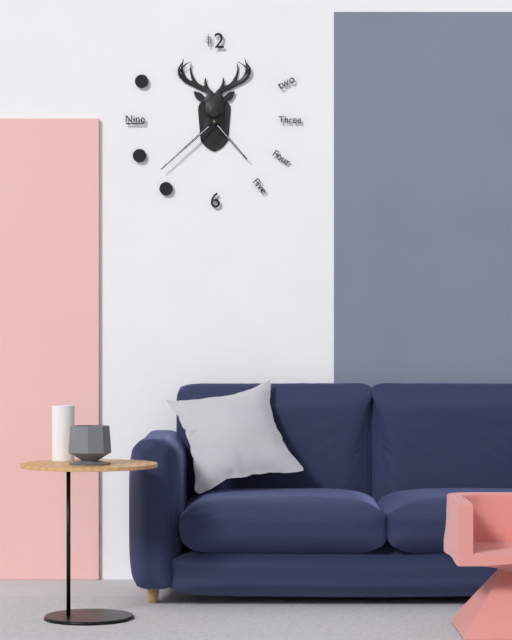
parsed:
4 h 38 min
